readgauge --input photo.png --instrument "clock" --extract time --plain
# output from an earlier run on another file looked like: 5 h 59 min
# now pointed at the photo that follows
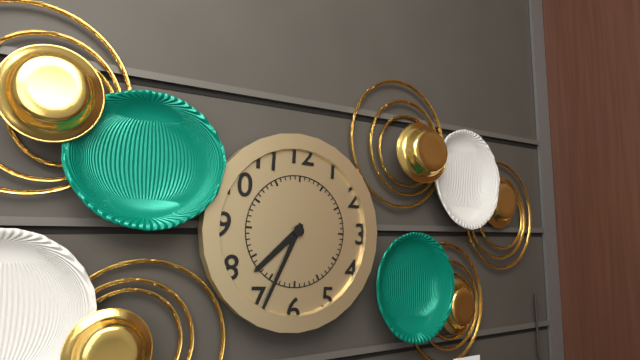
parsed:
7 h 34 min
